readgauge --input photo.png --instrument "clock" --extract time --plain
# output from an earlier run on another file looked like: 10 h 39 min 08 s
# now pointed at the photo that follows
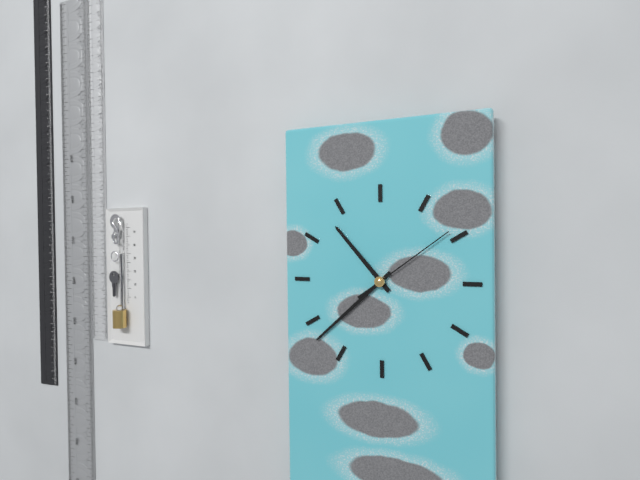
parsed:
10 h 38 min 09 s
